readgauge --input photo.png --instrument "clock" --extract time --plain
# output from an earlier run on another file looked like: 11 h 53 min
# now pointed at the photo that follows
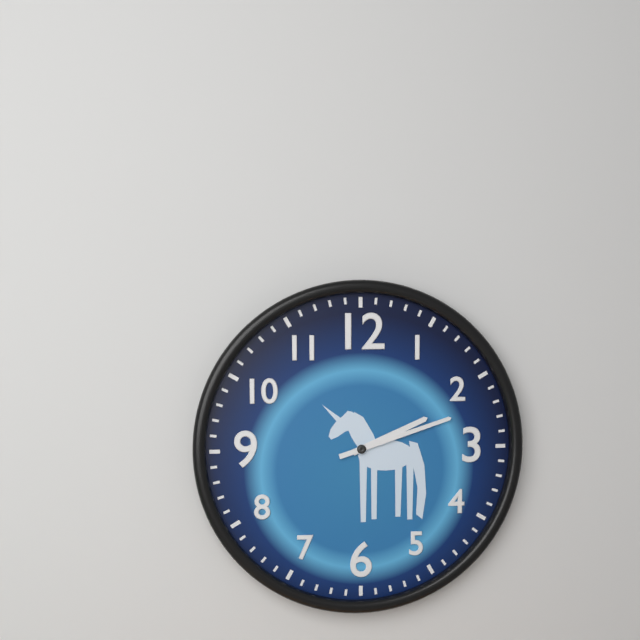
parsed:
2 h 12 min
